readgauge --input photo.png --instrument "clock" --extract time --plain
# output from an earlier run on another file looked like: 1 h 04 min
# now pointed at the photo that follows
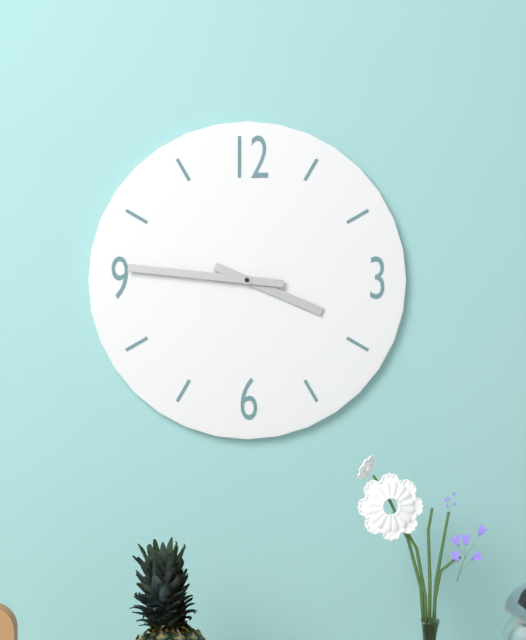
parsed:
3 h 46 min
